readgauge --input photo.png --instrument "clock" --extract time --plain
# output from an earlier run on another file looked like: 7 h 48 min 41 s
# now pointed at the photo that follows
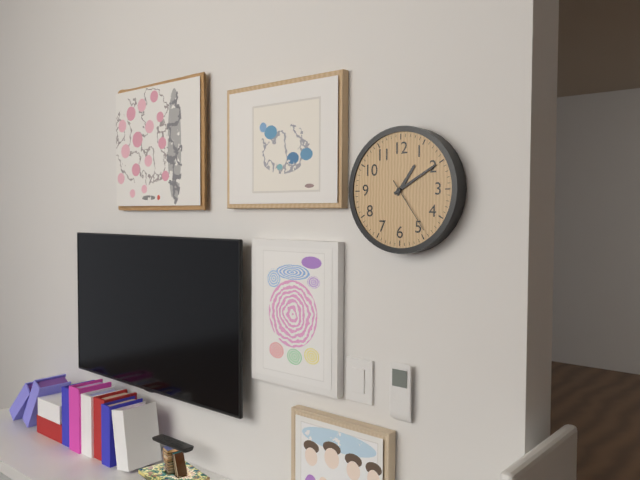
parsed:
1 h 10 min 24 s
